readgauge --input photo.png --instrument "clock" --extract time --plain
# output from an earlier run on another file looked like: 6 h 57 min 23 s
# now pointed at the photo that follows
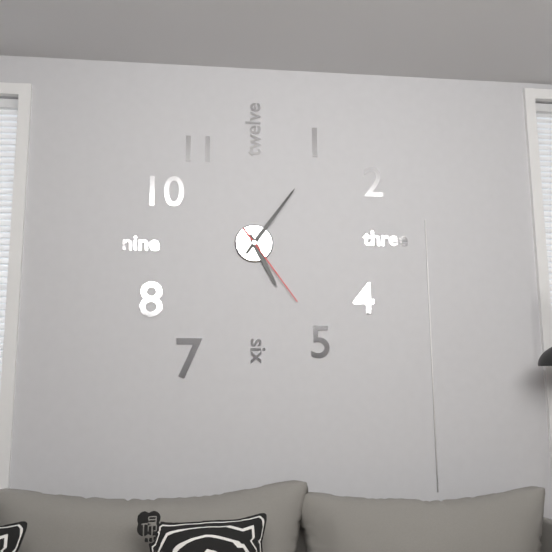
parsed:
5 h 06 min 24 s
